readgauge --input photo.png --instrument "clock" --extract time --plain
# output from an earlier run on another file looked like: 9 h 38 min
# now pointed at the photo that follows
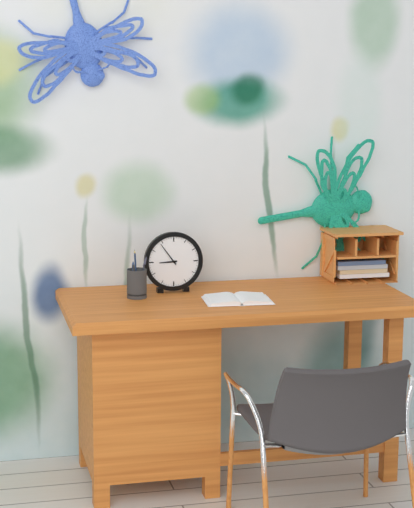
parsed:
8 h 54 min
